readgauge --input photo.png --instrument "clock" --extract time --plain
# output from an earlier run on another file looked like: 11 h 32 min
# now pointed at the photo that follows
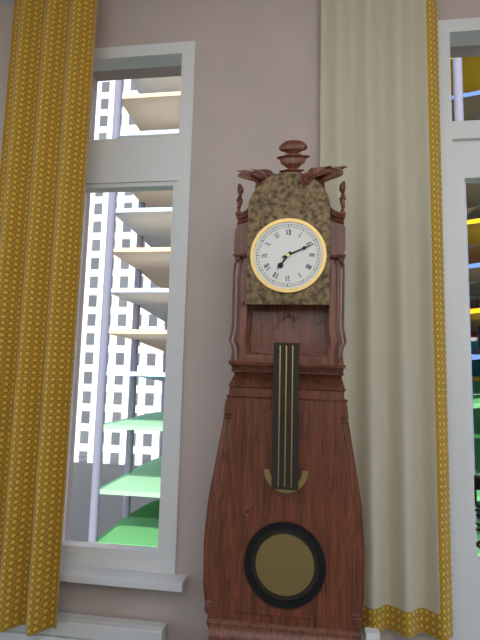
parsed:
7 h 11 min
